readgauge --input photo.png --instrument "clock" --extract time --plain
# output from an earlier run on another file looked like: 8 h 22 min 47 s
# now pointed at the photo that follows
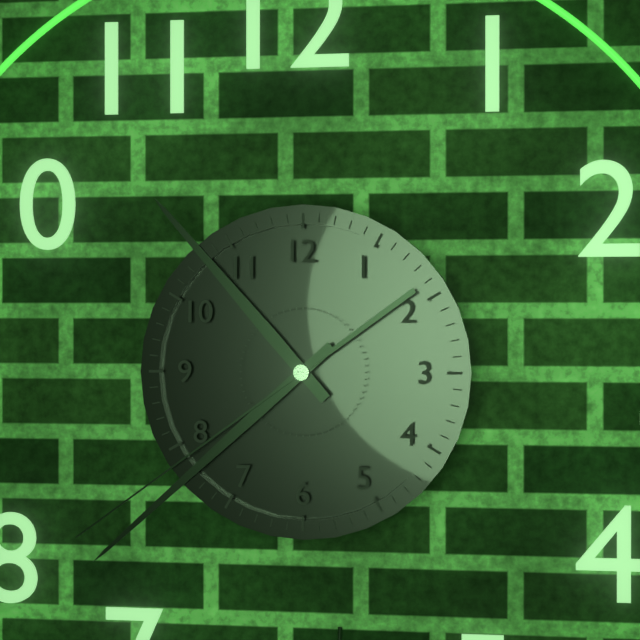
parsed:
10 h 38 min 39 s
